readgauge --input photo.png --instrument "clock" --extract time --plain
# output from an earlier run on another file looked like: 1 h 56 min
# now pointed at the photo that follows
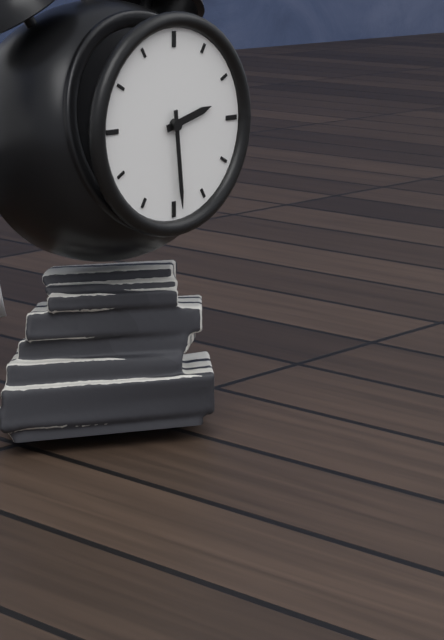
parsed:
2 h 29 min
